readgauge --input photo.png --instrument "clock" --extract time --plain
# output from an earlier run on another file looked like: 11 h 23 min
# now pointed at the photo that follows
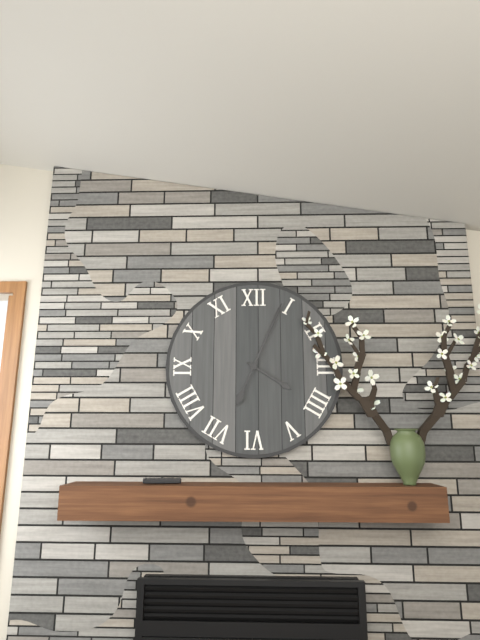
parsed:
4 h 04 min
